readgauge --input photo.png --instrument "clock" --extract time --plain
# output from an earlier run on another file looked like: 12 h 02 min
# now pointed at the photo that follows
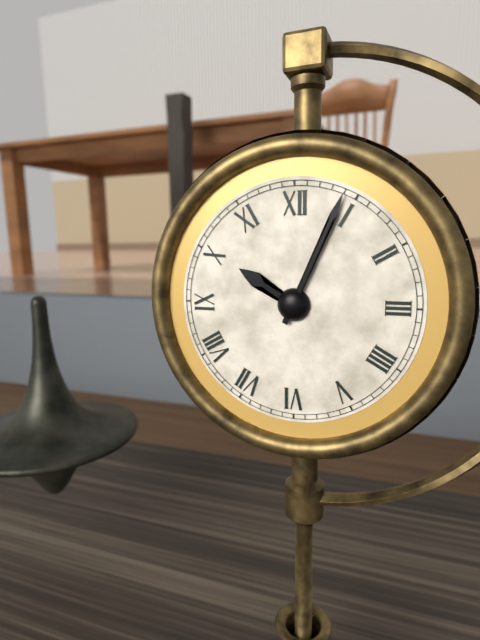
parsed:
10 h 04 min
